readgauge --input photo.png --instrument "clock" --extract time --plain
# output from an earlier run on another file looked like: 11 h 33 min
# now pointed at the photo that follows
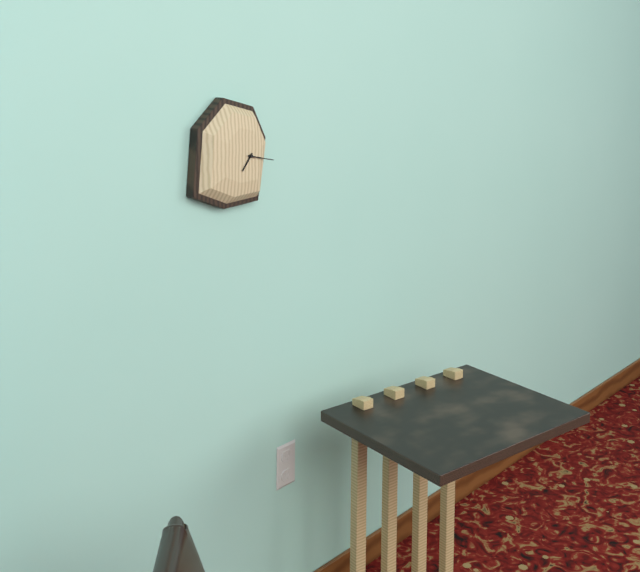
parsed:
7 h 17 min
